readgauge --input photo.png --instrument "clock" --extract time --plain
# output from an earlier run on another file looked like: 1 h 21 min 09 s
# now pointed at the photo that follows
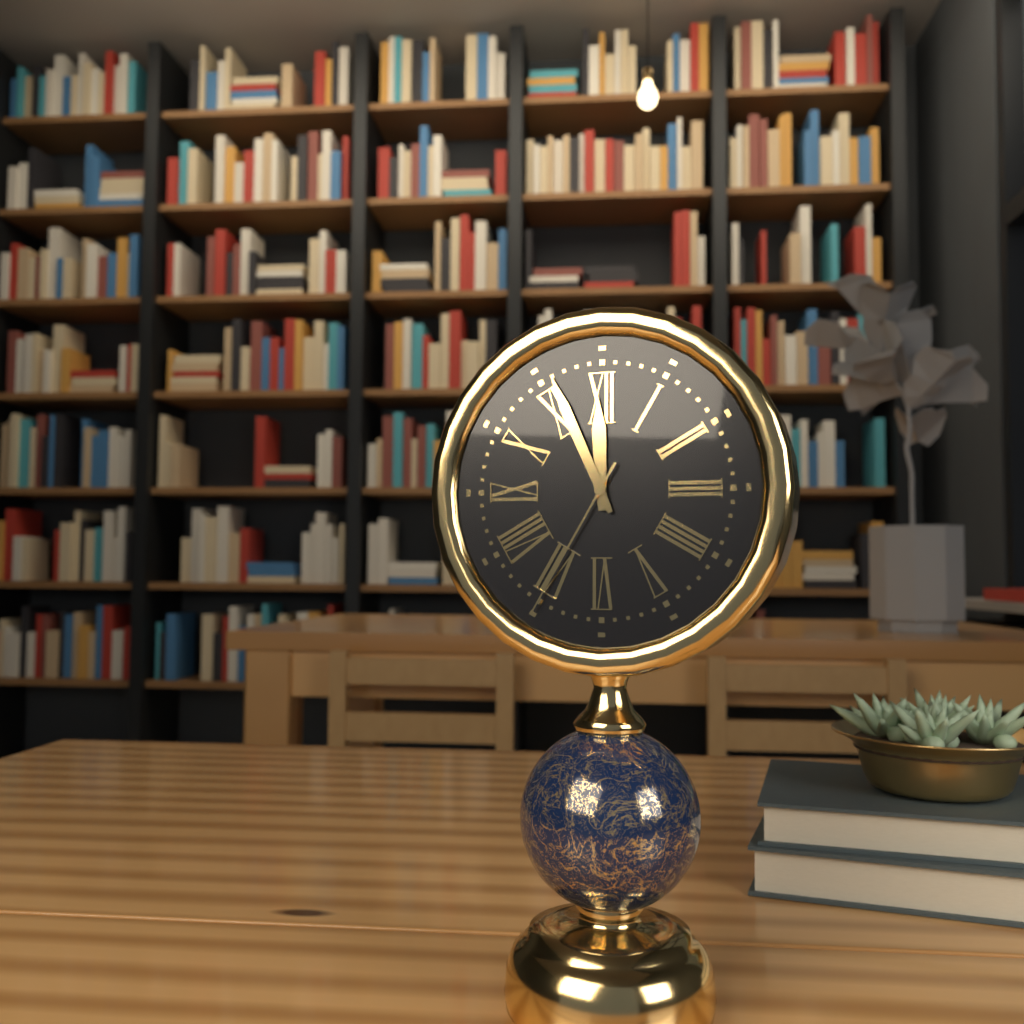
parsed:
11 h 56 min 35 s
